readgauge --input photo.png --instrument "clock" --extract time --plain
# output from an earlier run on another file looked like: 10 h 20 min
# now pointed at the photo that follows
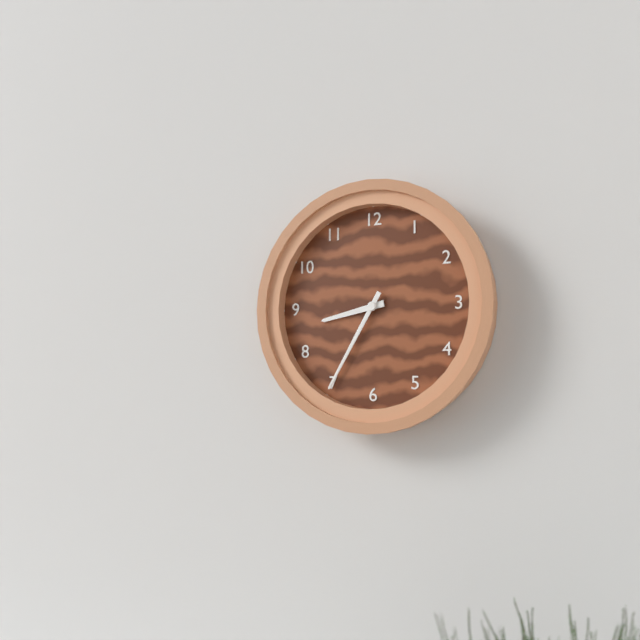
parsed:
8 h 35 min
